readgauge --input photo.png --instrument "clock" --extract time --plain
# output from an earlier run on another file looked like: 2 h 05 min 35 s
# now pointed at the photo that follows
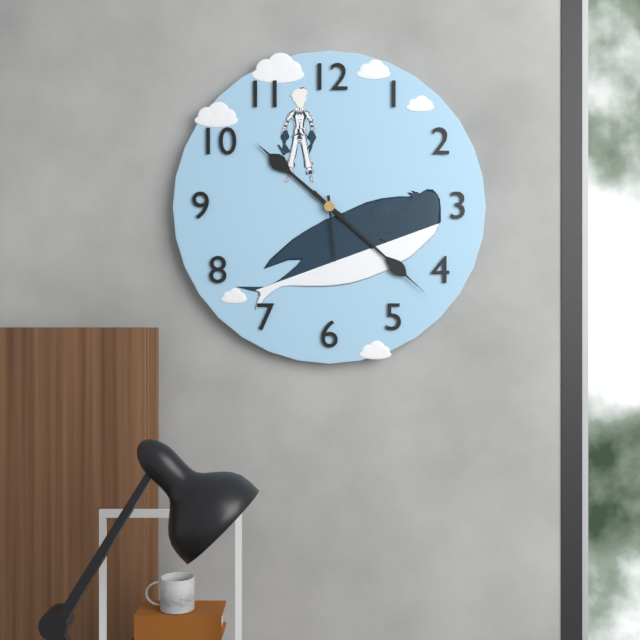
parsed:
10 h 22 min 29 s
